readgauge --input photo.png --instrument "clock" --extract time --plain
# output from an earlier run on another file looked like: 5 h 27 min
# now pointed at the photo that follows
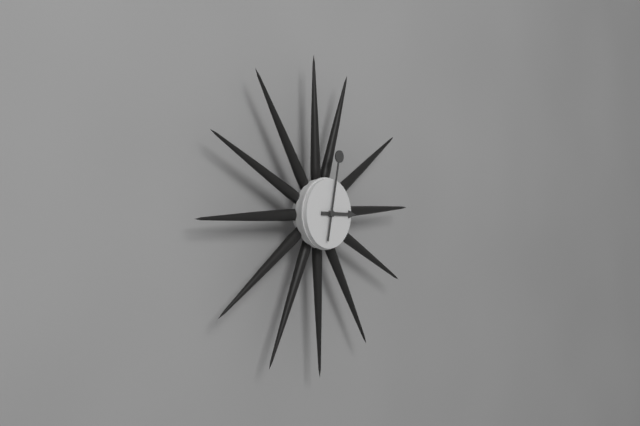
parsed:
3 h 02 min
